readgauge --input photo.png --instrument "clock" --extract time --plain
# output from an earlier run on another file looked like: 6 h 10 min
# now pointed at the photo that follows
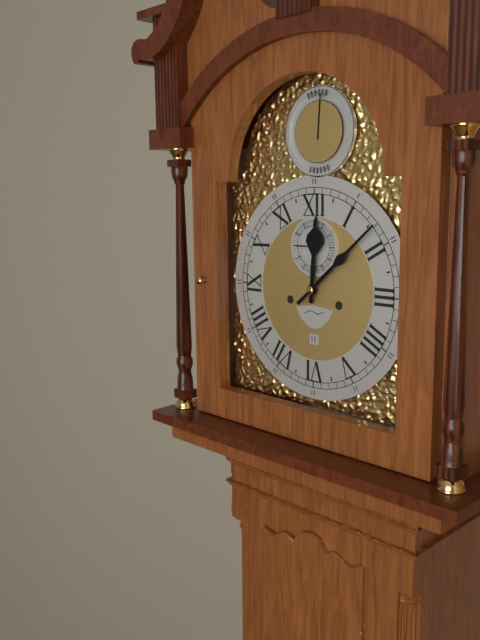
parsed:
12 h 08 min
